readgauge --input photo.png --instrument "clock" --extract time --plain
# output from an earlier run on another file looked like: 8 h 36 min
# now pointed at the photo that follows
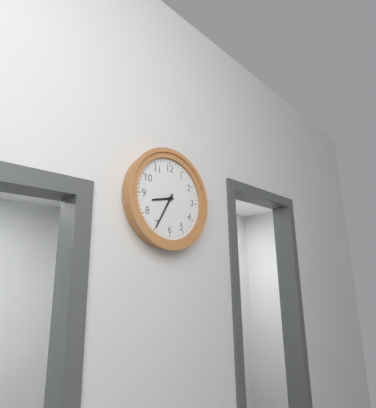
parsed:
8 h 35 min
